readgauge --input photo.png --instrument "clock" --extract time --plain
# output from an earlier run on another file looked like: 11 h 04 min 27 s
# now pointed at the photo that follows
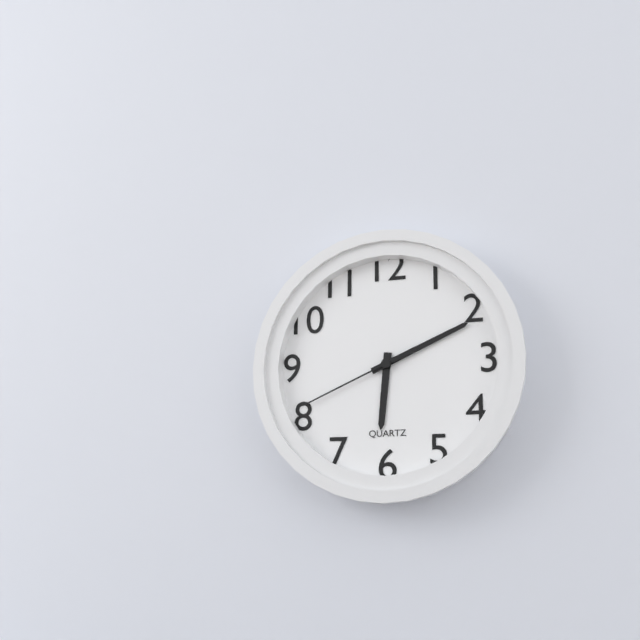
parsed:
6 h 11 min 41 s
